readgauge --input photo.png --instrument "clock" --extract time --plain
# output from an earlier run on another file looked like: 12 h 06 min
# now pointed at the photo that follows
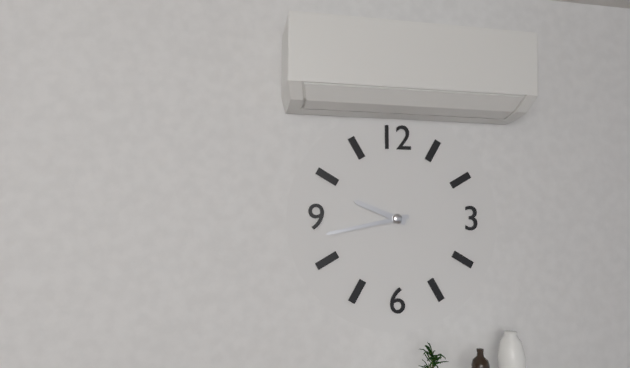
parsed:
9 h 43 min
